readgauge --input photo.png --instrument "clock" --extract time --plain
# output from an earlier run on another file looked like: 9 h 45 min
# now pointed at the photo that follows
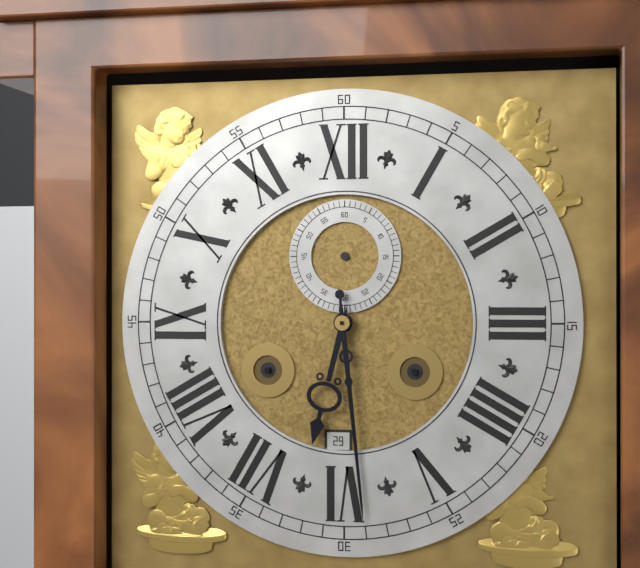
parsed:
6 h 29 min
